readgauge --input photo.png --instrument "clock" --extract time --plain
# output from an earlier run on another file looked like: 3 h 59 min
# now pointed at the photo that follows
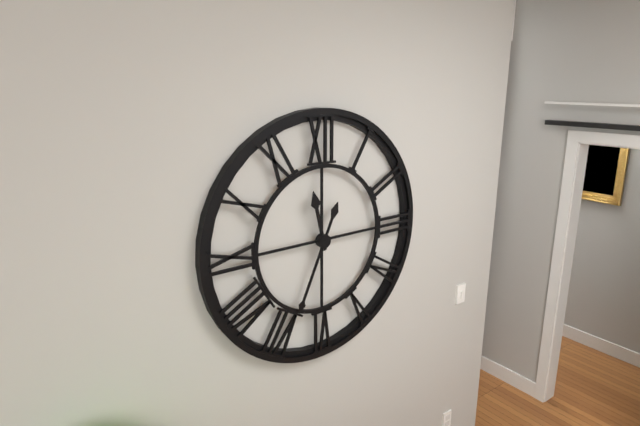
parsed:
11 h 34 min
